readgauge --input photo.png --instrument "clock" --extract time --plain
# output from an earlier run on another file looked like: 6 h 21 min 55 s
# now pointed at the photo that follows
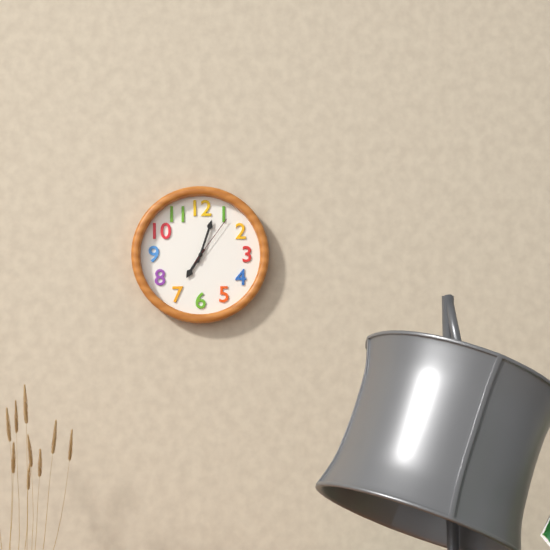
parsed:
7 h 03 min 06 s
